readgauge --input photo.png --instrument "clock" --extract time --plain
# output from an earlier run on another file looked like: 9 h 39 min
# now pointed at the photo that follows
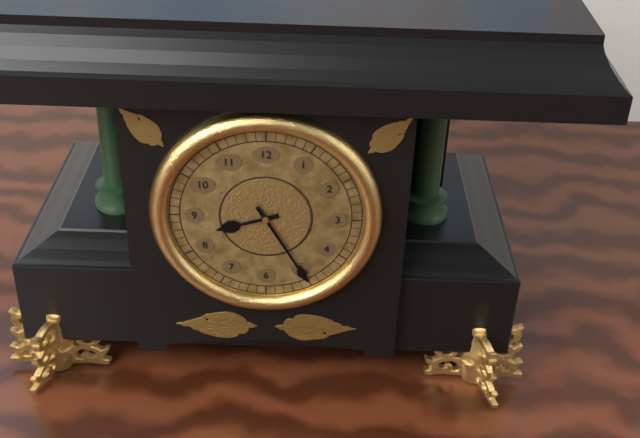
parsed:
8 h 25 min
